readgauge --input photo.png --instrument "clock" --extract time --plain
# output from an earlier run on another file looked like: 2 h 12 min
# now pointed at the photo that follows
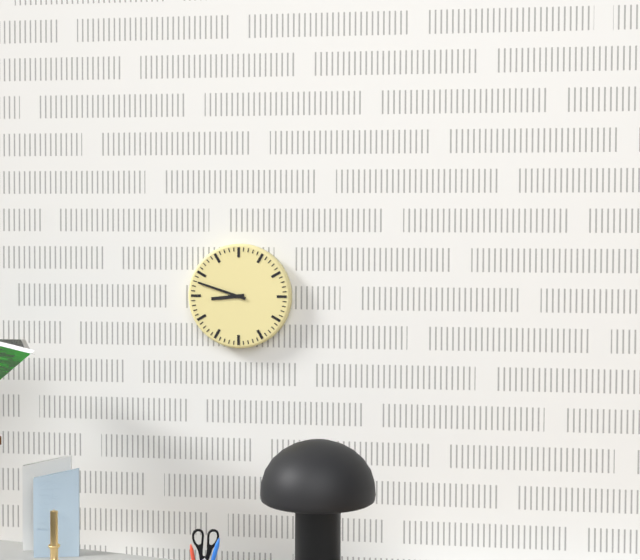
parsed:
8 h 48 min
